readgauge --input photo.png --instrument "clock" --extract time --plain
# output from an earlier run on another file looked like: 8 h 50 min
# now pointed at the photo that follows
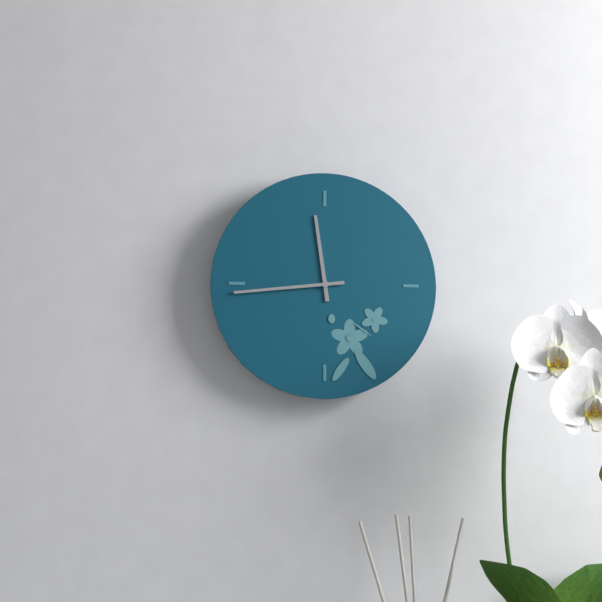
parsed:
11 h 44 min
